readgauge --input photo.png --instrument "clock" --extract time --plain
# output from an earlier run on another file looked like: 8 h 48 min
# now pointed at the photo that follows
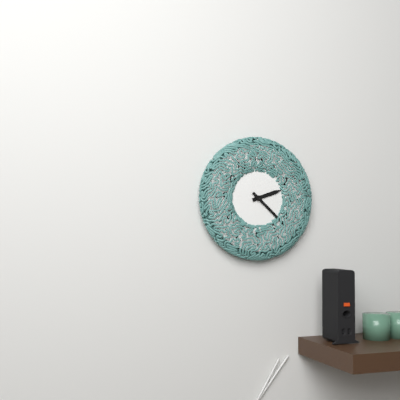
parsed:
2 h 22 min
